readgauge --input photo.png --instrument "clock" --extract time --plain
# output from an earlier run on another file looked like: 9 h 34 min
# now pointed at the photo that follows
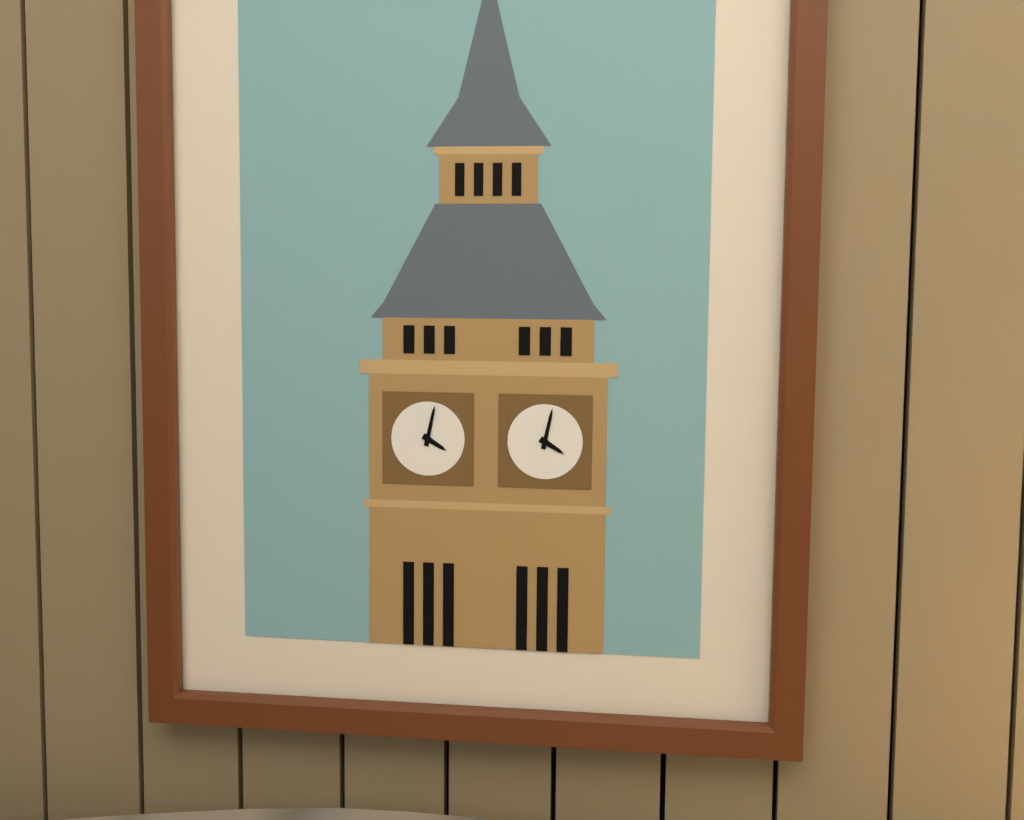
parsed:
4 h 02 min
